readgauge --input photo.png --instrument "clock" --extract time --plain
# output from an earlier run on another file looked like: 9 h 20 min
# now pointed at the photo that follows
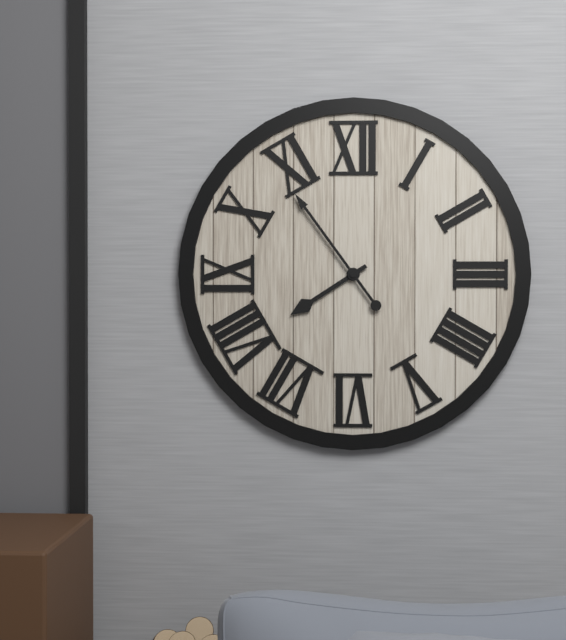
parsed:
7 h 54 min
